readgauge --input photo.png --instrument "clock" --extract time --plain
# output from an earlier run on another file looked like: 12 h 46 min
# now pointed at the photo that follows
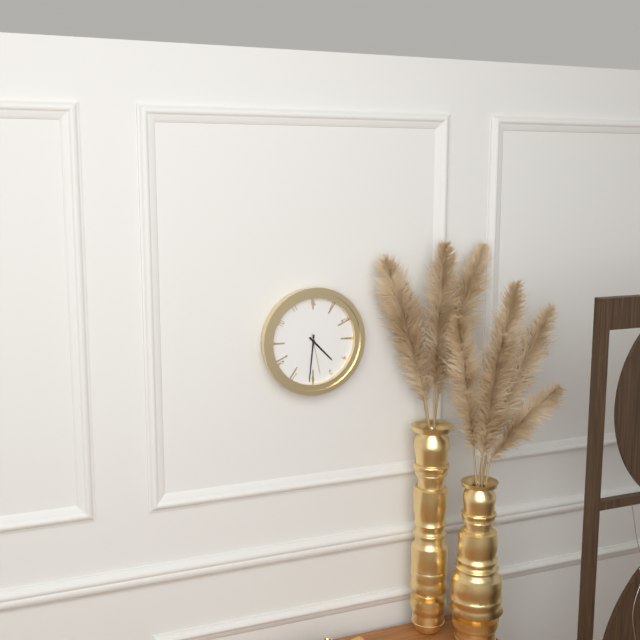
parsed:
4 h 31 min
